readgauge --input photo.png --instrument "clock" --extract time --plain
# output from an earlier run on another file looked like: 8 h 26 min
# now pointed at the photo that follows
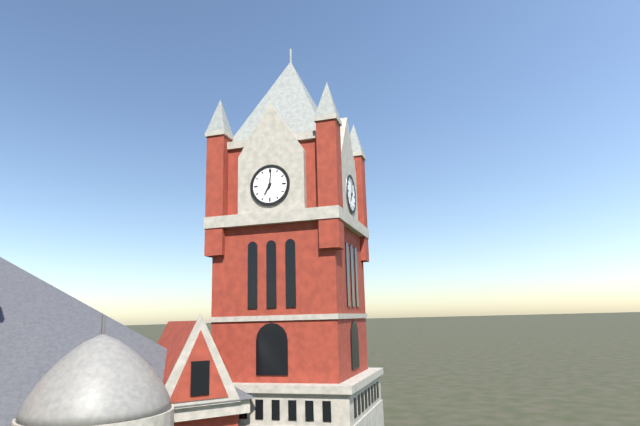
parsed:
7 h 01 min
